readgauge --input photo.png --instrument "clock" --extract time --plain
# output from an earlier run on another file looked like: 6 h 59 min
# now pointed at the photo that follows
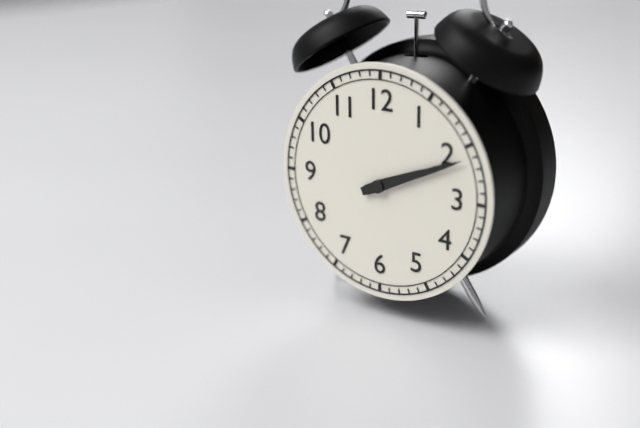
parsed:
2 h 11 min
